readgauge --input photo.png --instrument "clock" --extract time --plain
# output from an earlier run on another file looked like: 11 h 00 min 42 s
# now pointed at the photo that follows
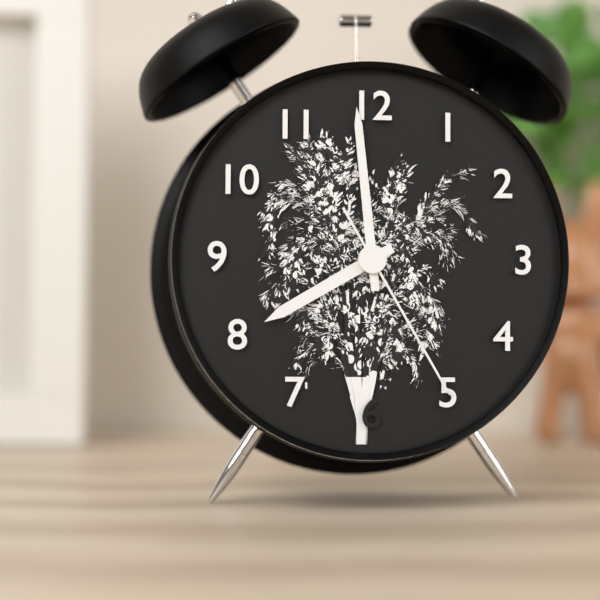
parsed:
7 h 59 min 25 s
